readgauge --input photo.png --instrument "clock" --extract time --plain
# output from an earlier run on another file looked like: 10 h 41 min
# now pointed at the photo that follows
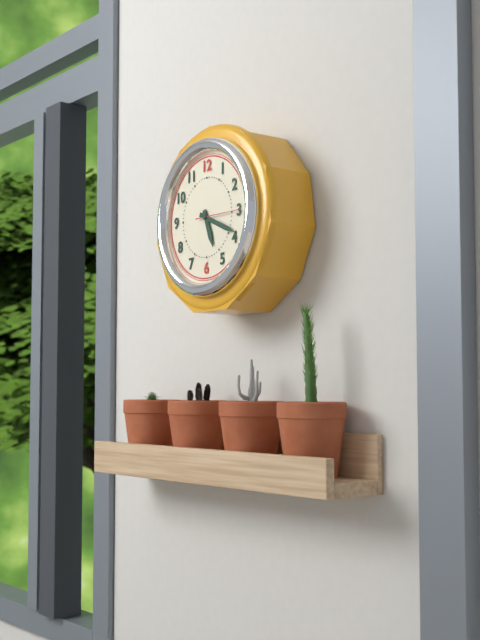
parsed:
5 h 19 min
